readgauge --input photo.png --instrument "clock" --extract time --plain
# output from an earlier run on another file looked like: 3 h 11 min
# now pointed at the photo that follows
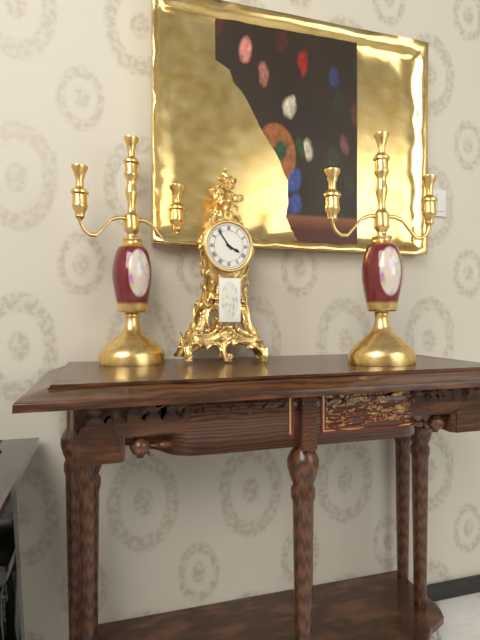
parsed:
3 h 54 min
